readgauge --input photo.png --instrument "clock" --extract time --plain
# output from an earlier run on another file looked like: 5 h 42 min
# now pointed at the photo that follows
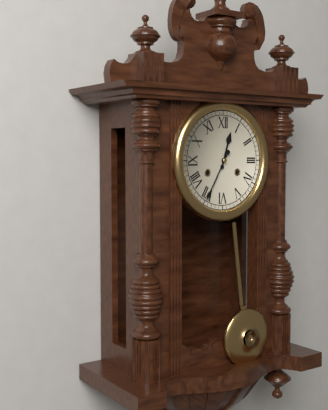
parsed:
12 h 35 min
